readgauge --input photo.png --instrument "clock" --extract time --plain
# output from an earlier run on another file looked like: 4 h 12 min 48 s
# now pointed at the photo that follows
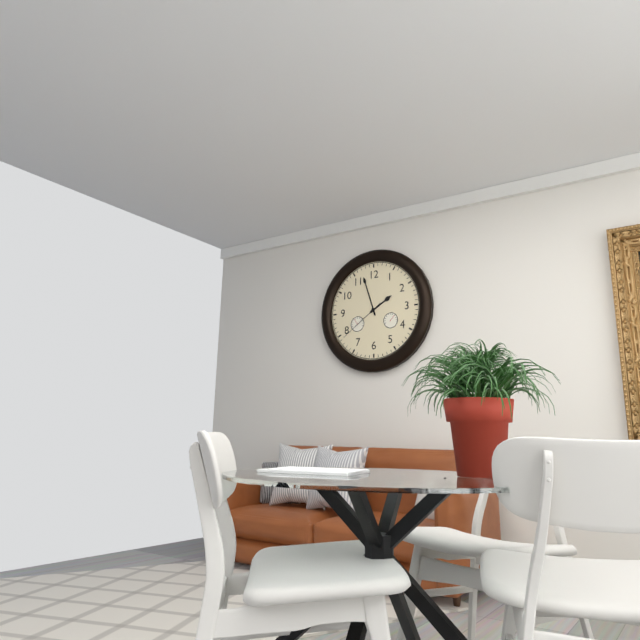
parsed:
1 h 57 min 39 s
